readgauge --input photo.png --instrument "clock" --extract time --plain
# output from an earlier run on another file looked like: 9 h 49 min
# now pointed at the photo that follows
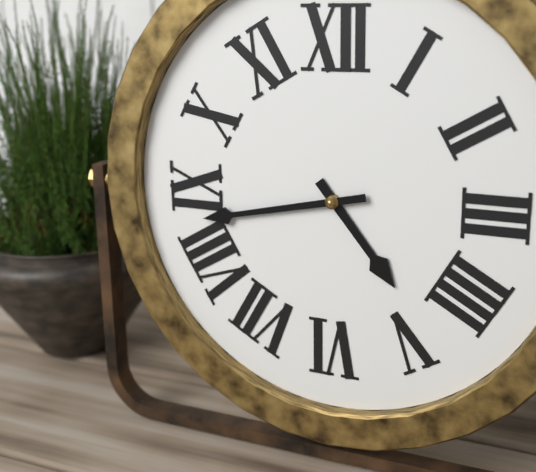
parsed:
4 h 43 min
